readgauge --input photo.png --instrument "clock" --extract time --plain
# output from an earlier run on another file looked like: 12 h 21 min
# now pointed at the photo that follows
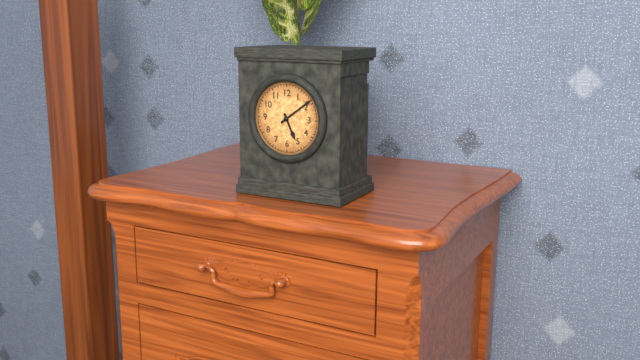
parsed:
5 h 09 min
